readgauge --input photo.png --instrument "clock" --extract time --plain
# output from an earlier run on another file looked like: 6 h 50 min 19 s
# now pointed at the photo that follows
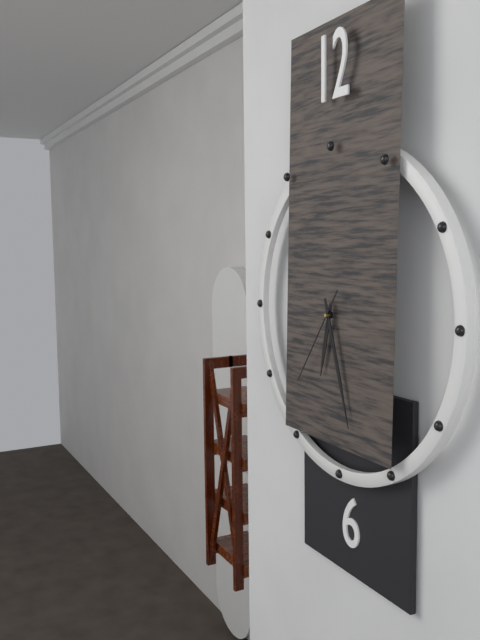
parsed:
6 h 27 min 36 s
